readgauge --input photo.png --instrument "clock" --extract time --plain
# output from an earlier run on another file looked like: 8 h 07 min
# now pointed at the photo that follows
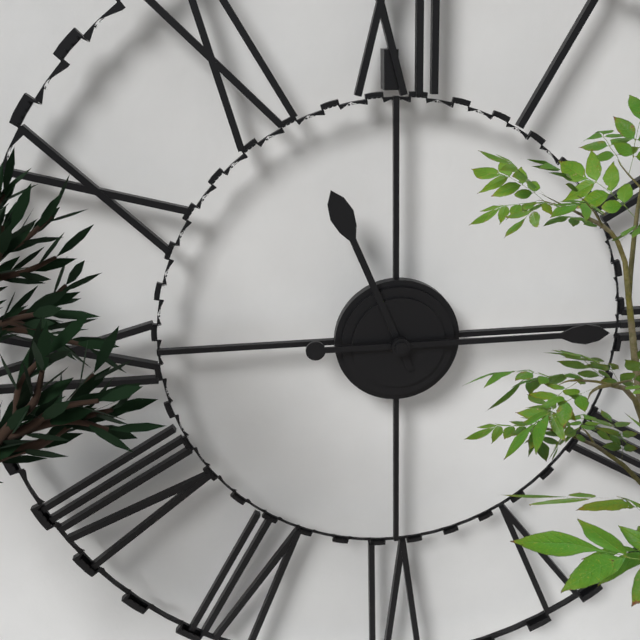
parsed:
11 h 15 min
